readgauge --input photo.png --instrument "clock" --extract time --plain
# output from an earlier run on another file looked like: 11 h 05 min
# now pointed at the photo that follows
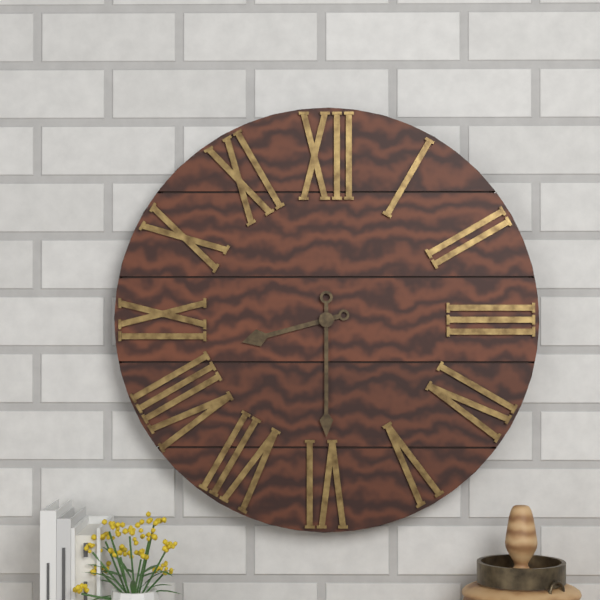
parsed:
8 h 30 min
